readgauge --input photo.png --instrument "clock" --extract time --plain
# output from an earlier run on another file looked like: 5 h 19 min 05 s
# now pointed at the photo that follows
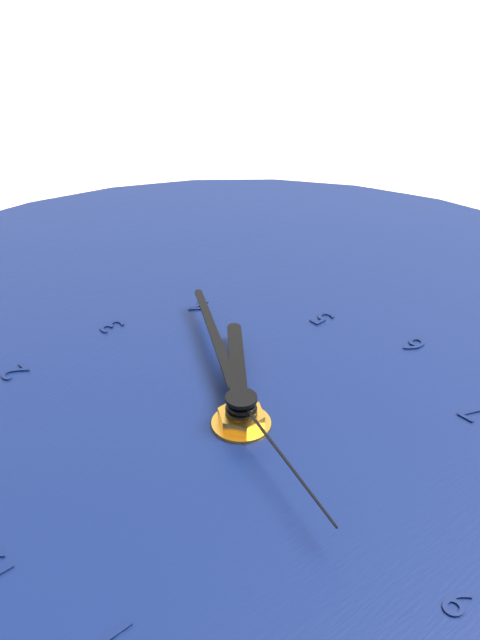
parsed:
4 h 20 min 48 s
